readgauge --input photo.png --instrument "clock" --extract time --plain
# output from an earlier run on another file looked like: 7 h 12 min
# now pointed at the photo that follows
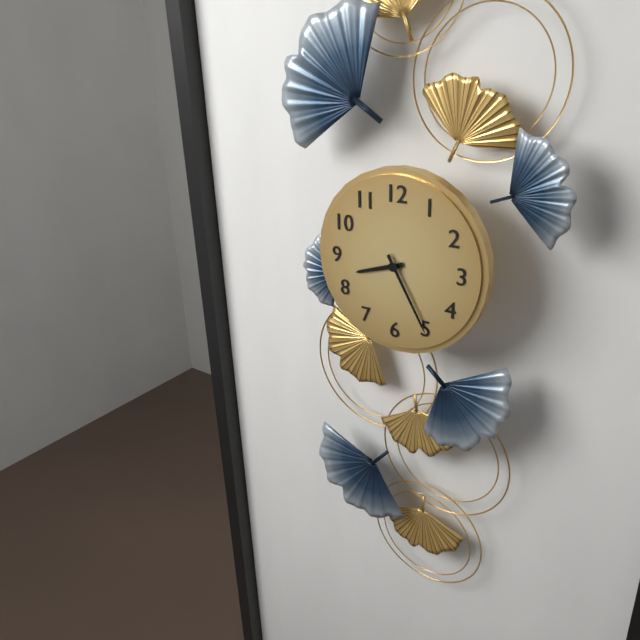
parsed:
8 h 25 min
